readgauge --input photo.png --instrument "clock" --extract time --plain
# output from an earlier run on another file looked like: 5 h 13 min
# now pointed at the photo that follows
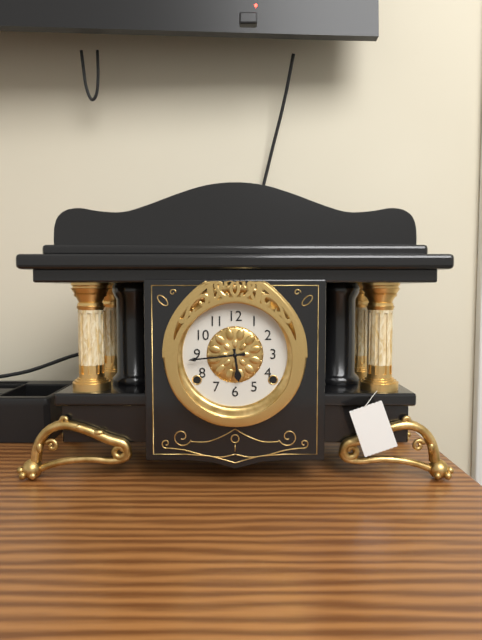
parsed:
5 h 44 min
